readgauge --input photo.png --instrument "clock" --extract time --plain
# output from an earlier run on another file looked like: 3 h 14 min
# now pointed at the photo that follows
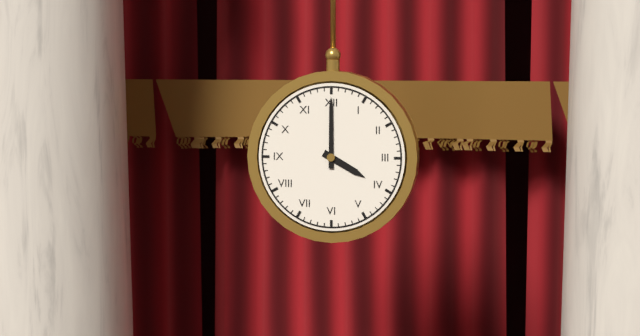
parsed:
4 h 00 min
